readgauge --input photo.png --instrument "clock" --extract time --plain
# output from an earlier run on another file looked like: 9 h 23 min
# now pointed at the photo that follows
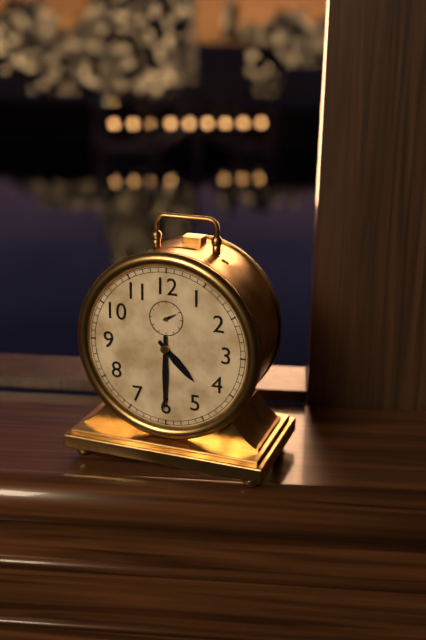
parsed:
4 h 30 min
